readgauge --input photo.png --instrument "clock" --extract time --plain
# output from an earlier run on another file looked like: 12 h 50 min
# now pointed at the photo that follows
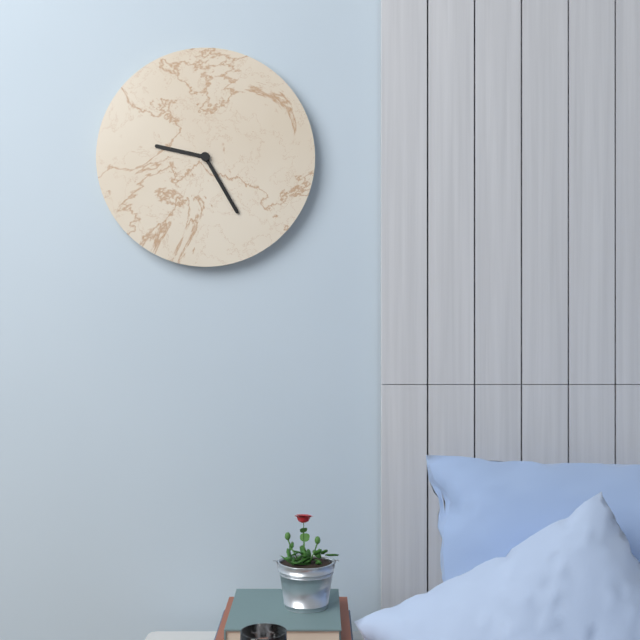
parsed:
9 h 25 min
